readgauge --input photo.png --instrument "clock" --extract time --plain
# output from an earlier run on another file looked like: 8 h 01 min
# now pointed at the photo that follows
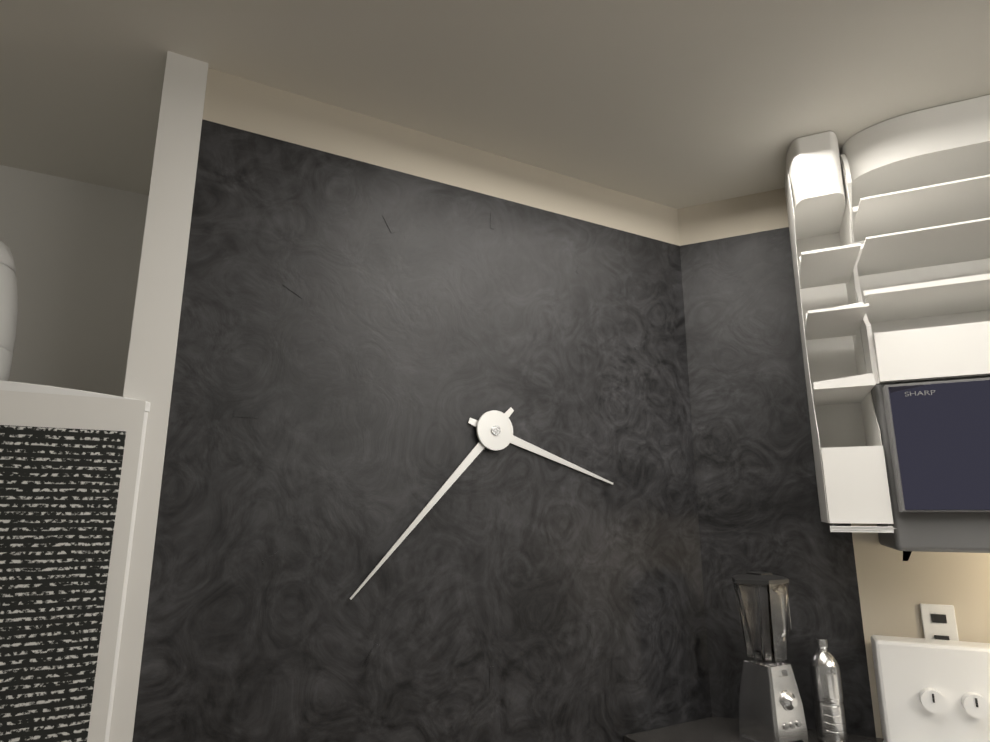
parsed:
3 h 37 min
